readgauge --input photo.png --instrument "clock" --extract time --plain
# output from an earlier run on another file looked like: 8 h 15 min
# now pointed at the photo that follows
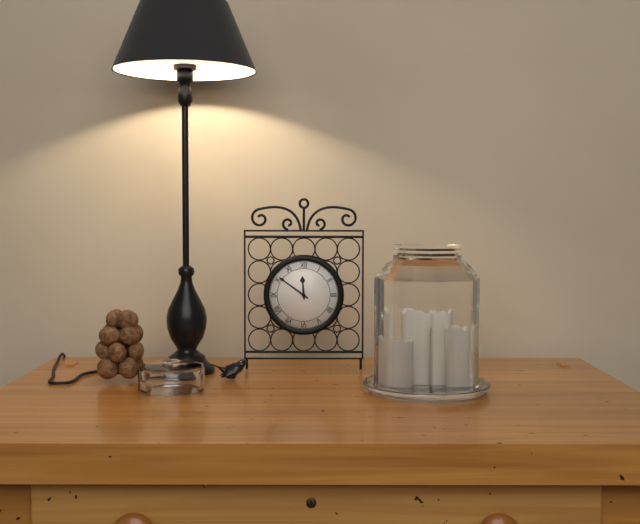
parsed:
11 h 51 min
